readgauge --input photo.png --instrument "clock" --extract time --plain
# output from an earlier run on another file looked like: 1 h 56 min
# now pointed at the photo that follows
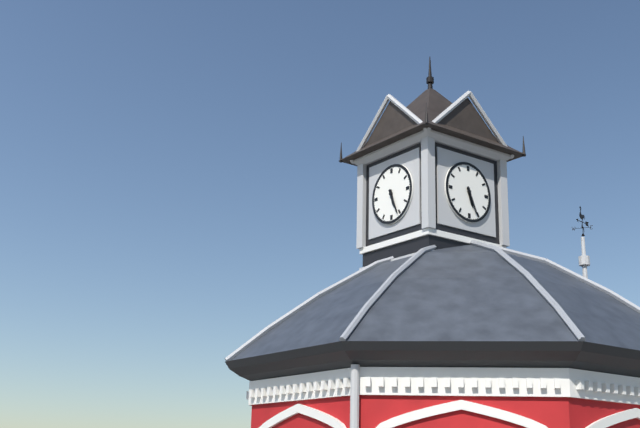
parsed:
5 h 26 min
